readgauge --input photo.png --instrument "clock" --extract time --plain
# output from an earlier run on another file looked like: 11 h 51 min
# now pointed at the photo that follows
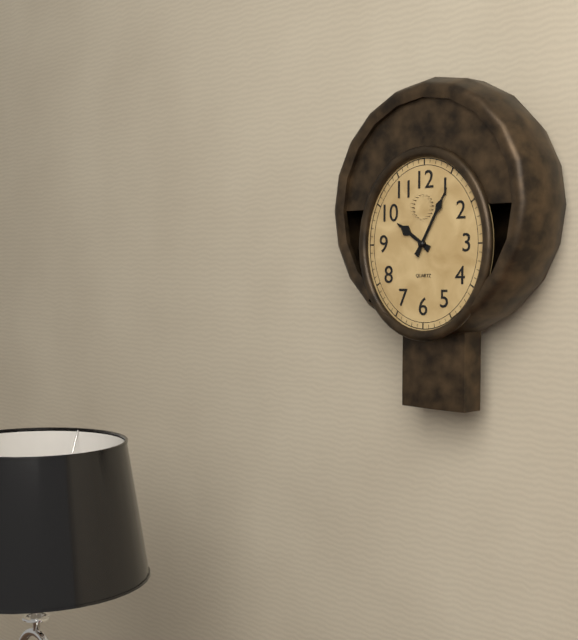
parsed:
10 h 05 min
